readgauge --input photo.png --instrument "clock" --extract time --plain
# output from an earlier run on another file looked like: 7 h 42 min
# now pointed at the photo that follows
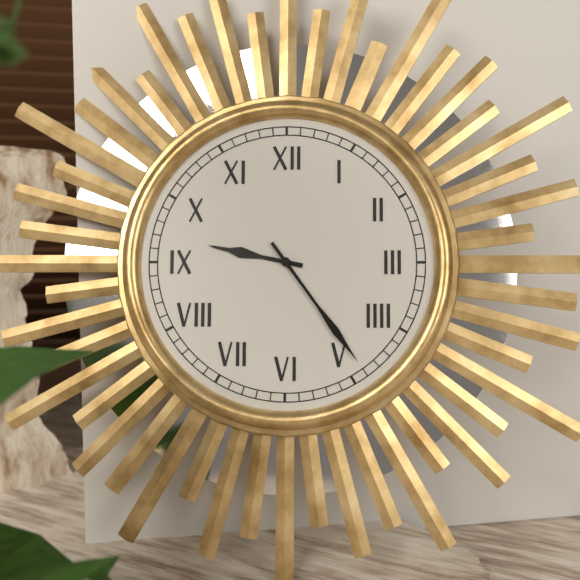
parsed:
9 h 24 min
